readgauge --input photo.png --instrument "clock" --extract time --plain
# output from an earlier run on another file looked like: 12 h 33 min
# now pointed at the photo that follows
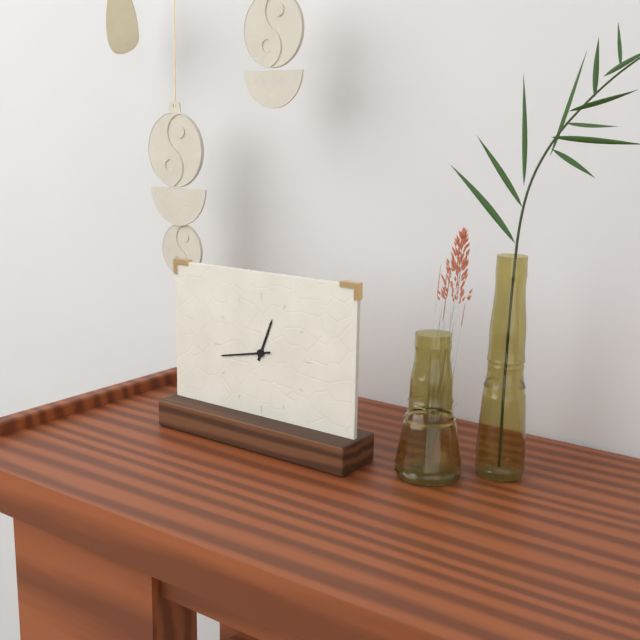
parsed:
12 h 43 min
